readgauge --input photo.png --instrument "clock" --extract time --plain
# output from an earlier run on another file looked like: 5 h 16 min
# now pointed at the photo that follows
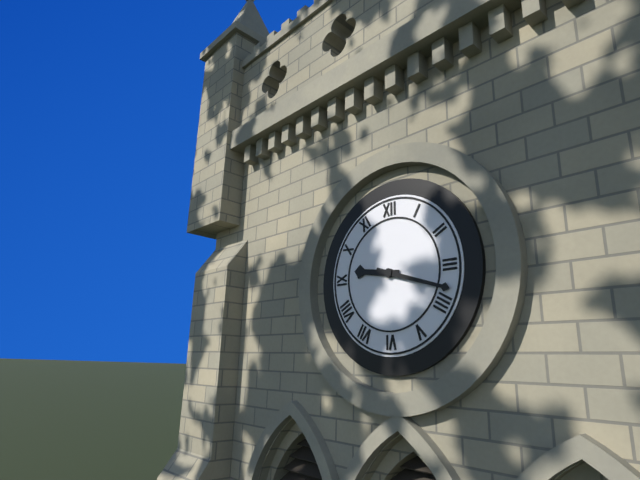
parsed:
9 h 18 min
